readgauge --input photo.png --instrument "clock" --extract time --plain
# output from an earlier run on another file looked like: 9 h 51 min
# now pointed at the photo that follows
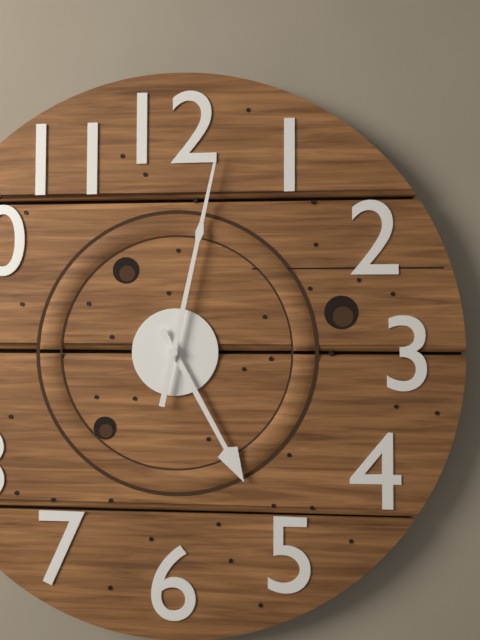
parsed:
5 h 02 min
